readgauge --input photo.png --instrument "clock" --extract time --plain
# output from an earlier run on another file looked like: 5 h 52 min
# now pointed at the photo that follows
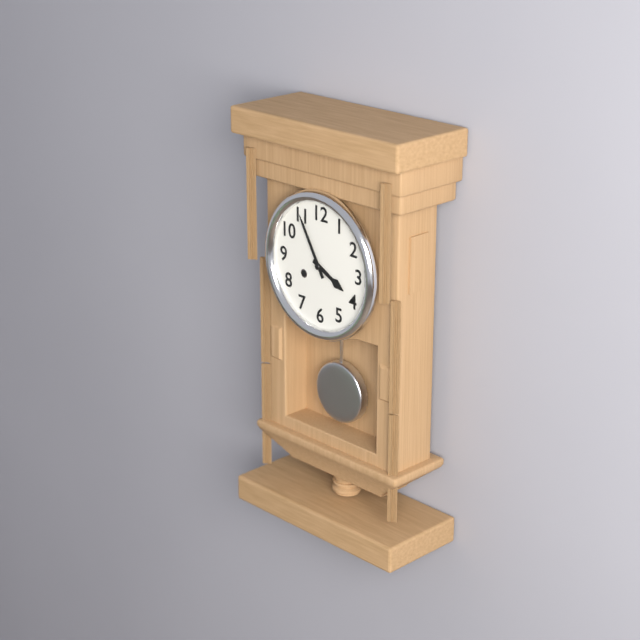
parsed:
3 h 55 min
